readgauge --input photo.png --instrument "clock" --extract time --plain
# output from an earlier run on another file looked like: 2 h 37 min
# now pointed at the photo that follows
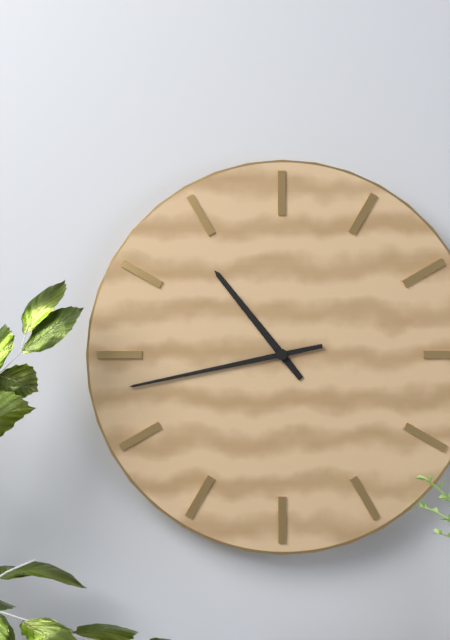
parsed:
10 h 43 min
